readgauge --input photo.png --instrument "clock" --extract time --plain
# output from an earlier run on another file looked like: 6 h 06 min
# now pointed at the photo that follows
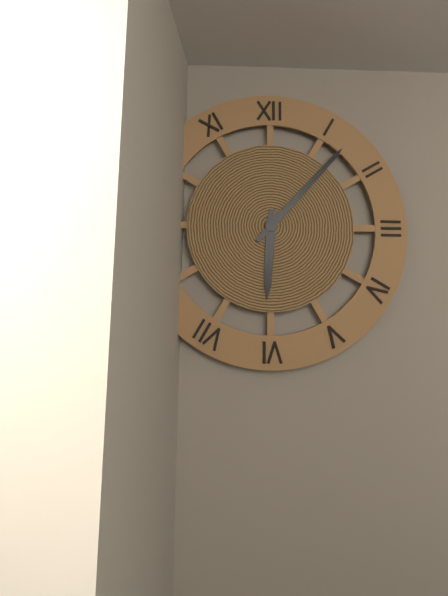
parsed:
6 h 07 min
